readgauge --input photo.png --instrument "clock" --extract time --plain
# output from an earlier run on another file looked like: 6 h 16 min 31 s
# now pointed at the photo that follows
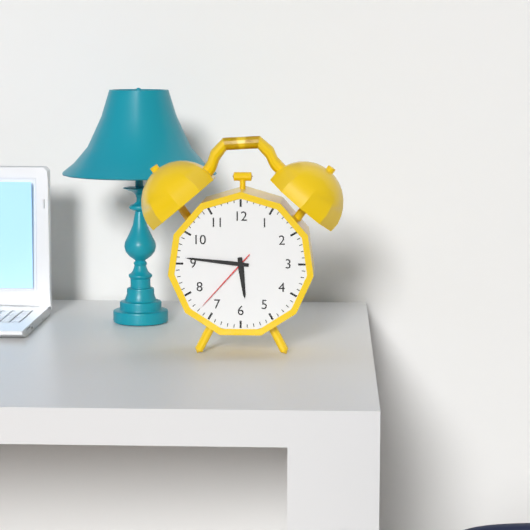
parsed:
5 h 46 min 37 s
